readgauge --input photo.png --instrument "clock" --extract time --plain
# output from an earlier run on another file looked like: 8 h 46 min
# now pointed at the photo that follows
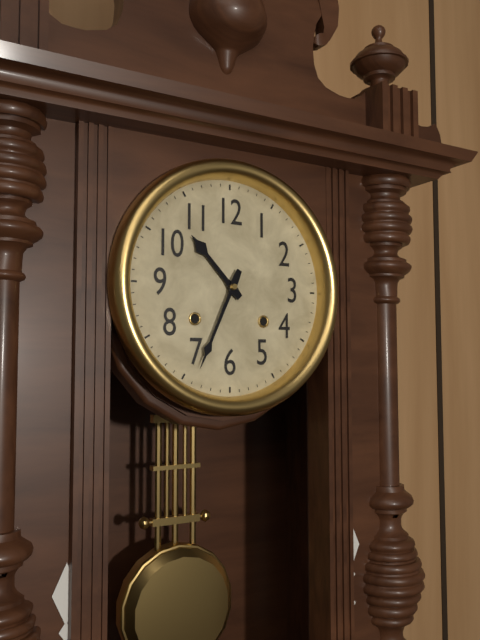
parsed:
10 h 34 min
